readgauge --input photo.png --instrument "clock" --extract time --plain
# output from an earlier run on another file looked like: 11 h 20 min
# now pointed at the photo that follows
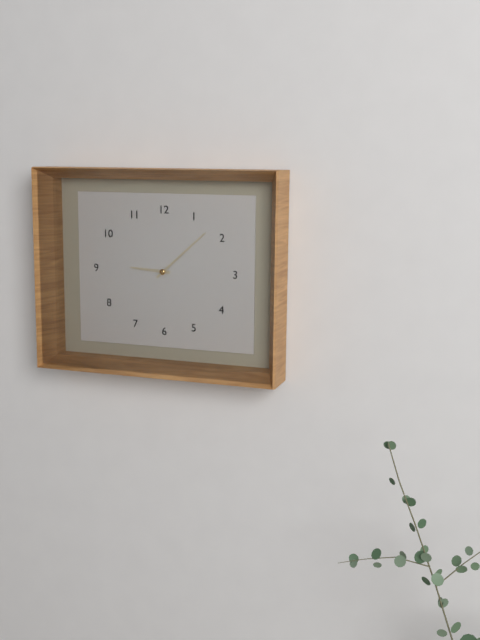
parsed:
9 h 08 min
